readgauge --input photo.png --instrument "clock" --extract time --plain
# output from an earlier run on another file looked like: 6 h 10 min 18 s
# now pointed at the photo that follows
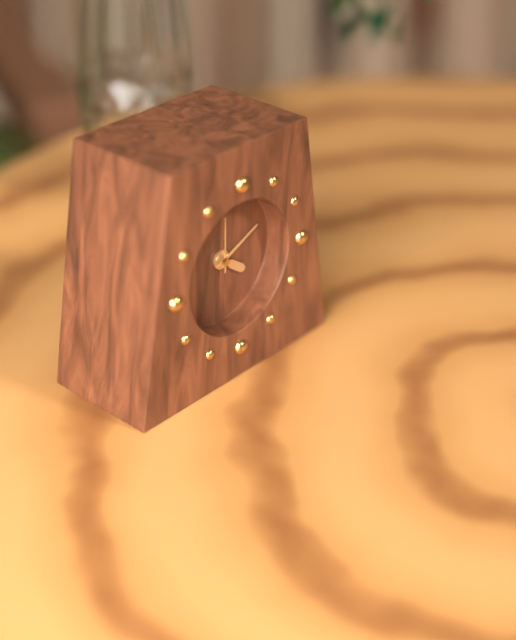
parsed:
4 h 11 min 00 s
